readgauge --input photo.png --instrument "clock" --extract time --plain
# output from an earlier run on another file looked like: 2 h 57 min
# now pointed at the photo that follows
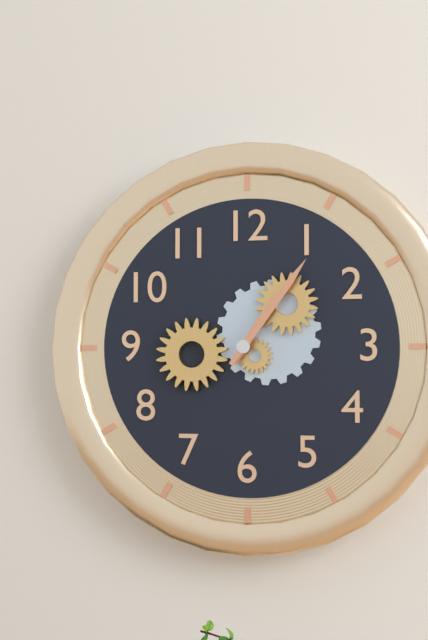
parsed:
1 h 06 min
